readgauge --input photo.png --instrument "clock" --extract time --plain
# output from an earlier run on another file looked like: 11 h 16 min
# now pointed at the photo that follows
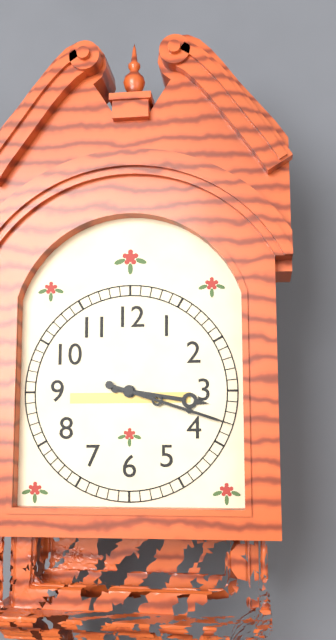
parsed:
3 h 18 min
